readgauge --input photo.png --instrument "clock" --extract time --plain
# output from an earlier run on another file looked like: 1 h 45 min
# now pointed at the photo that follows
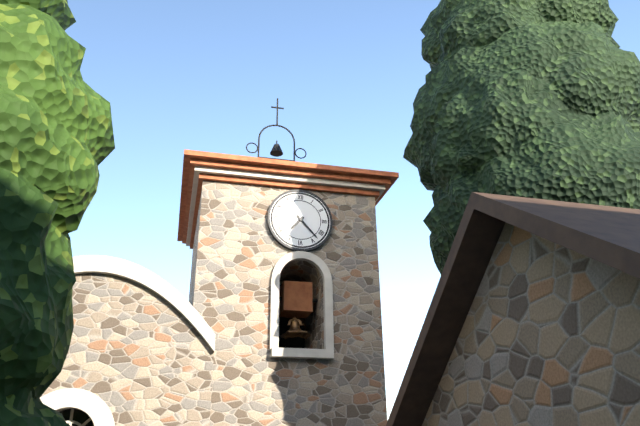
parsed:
7 h 23 min
